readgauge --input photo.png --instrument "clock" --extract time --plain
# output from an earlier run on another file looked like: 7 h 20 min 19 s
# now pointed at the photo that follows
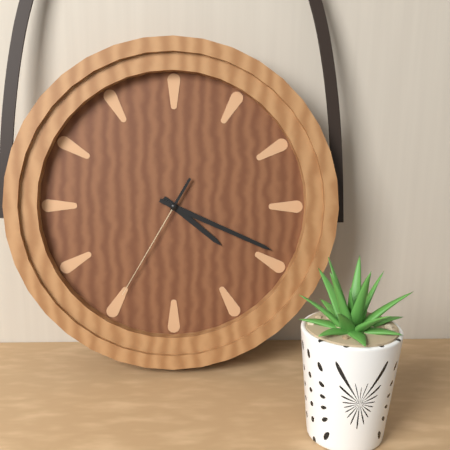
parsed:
4 h 19 min 35 s
